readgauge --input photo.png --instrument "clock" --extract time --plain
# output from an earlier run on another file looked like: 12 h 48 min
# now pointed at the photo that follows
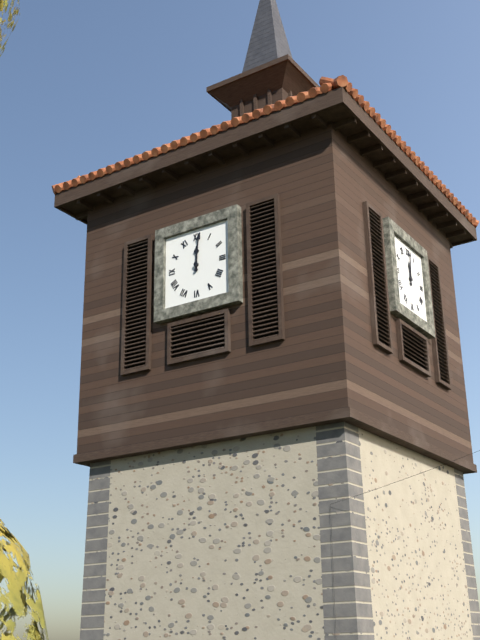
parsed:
12 h 01 min
